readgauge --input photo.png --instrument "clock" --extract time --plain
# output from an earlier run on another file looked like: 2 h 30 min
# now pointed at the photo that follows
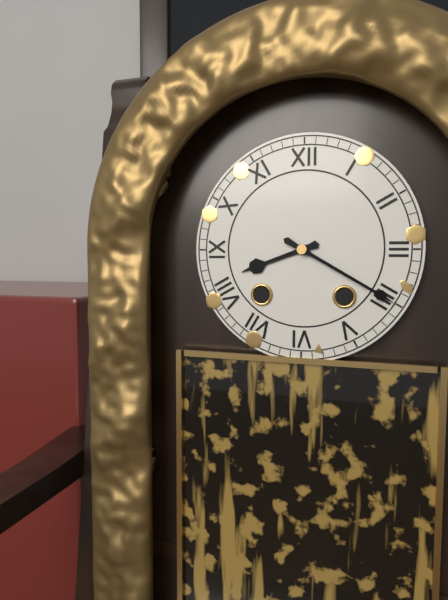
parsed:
8 h 20 min
